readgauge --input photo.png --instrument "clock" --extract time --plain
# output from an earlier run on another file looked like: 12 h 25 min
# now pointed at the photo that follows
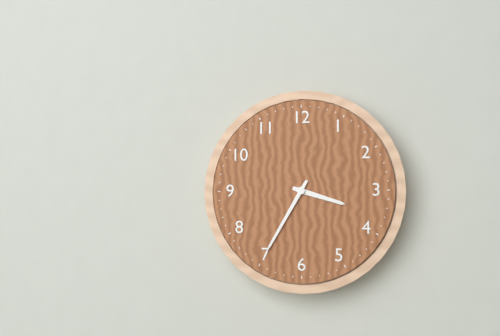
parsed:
3 h 35 min
